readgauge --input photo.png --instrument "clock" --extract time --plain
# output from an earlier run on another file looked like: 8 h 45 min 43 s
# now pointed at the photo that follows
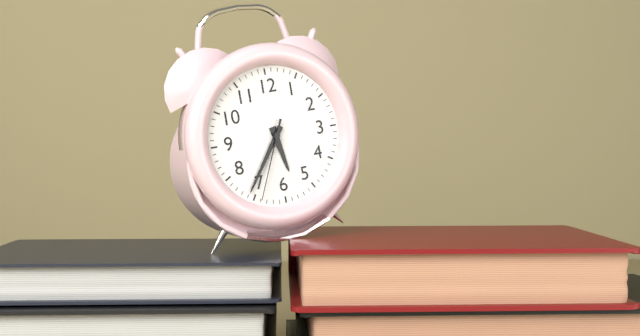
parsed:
5 h 36 min 34 s
